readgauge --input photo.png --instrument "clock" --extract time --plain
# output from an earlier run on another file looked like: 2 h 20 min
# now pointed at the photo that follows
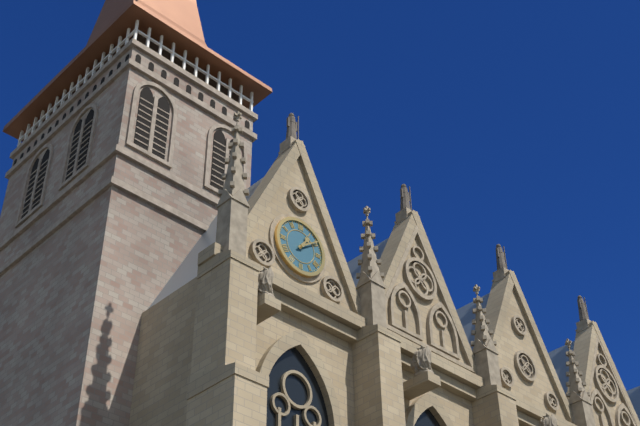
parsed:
1 h 09 min
